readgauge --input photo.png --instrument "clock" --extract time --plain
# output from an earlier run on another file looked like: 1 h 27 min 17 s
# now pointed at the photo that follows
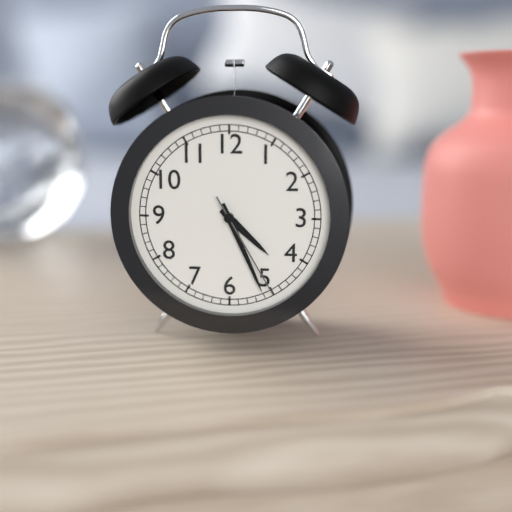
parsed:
4 h 26 min 25 s
